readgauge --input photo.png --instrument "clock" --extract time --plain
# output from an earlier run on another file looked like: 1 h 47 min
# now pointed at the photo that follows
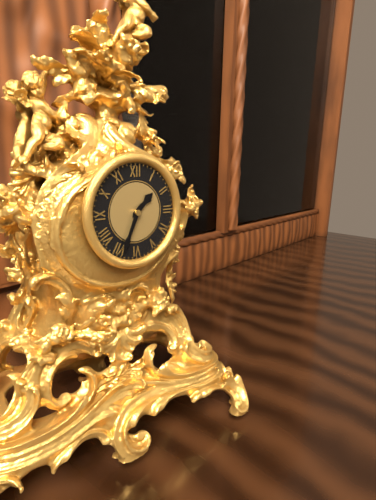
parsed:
1 h 34 min
